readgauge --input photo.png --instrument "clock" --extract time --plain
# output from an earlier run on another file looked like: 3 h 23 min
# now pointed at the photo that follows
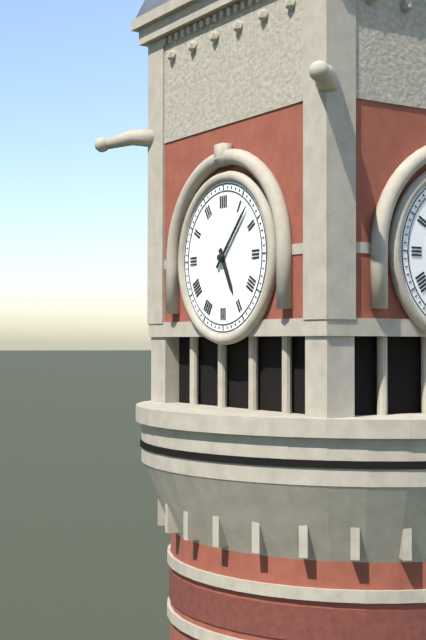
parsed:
5 h 07 min
